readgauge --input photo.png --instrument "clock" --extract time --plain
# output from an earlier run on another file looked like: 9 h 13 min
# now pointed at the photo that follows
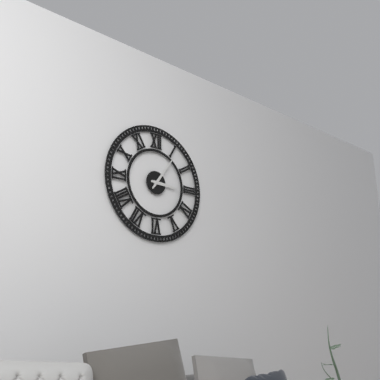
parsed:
3 h 06 min
